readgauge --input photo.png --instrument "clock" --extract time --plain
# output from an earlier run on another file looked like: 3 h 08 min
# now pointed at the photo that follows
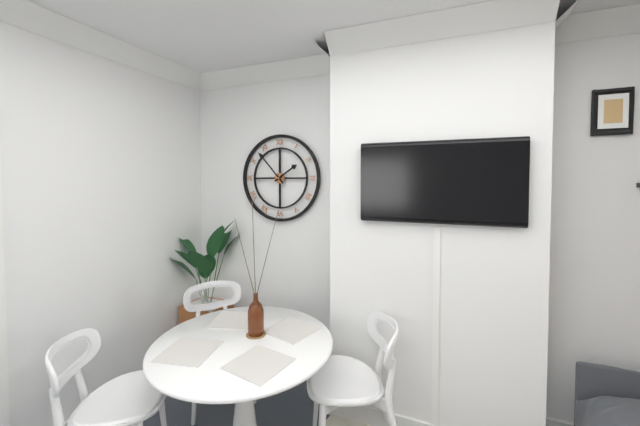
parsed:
1 h 53 min
